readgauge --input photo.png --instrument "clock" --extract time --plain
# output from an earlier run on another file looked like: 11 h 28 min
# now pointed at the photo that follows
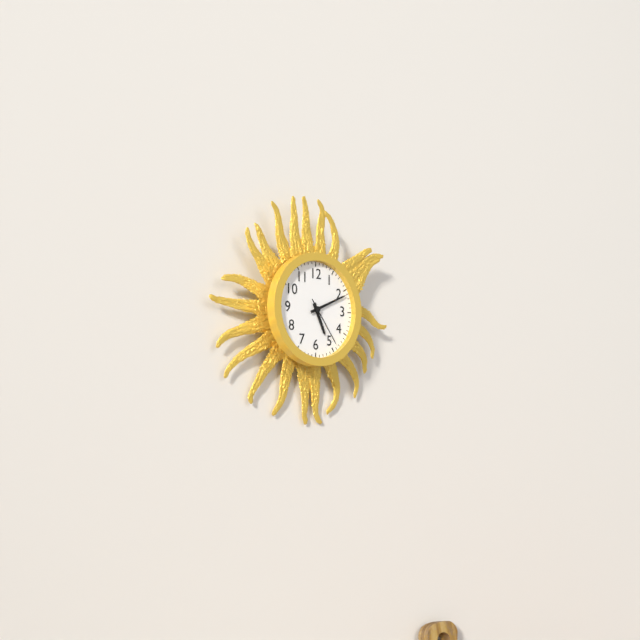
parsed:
5 h 11 min
